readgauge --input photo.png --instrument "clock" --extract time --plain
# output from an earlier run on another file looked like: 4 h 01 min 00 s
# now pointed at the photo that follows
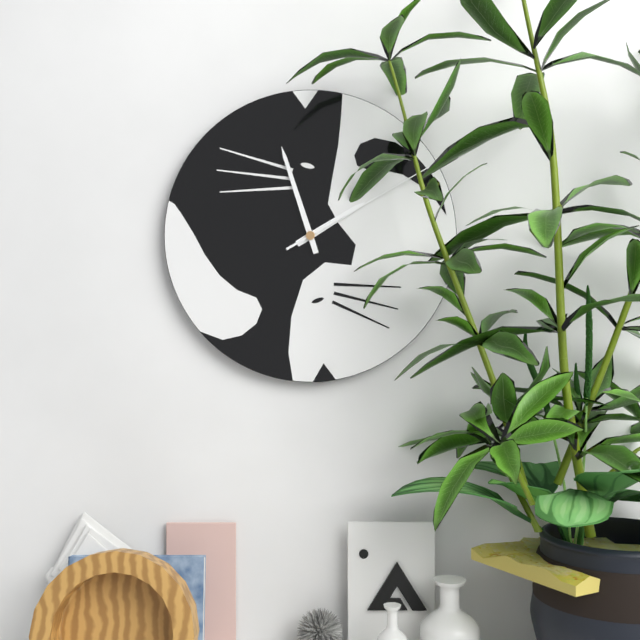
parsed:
1 h 57 min 10 s
